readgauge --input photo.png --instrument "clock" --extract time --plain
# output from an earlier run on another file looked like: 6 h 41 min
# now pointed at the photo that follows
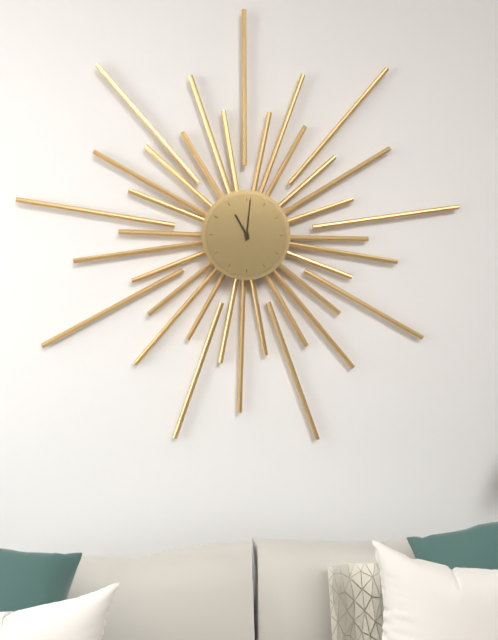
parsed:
11 h 01 min
